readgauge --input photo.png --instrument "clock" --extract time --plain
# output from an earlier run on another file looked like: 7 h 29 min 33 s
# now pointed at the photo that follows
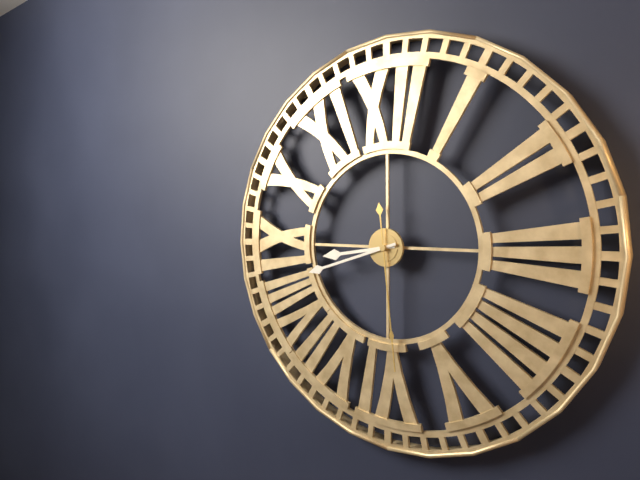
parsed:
8 h 42 min 29 s
